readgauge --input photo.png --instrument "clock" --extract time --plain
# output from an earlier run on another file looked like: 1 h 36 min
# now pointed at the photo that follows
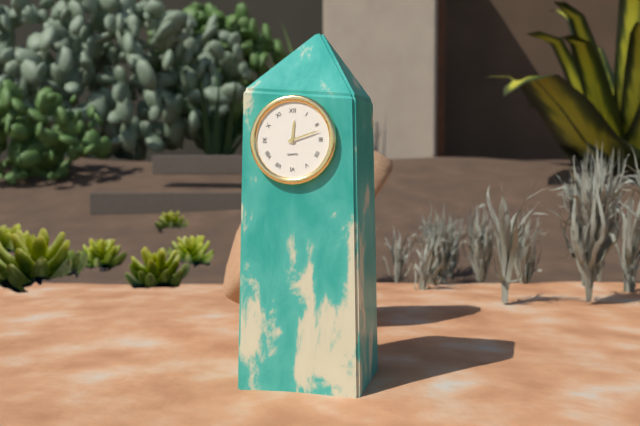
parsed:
12 h 12 min
